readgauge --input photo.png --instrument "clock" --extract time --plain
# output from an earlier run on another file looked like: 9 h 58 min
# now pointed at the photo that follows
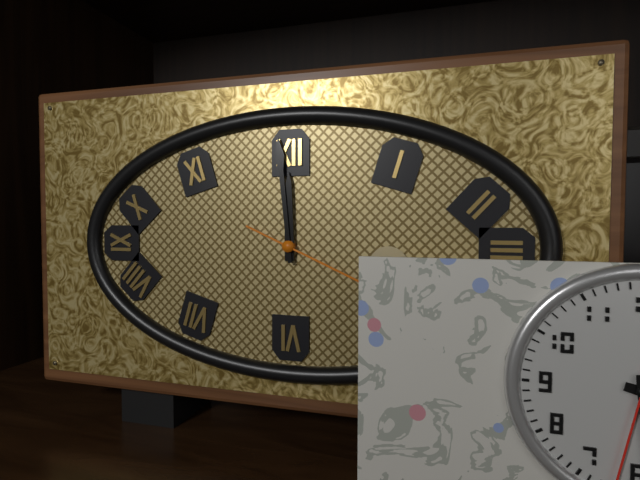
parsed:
11 h 59 min
